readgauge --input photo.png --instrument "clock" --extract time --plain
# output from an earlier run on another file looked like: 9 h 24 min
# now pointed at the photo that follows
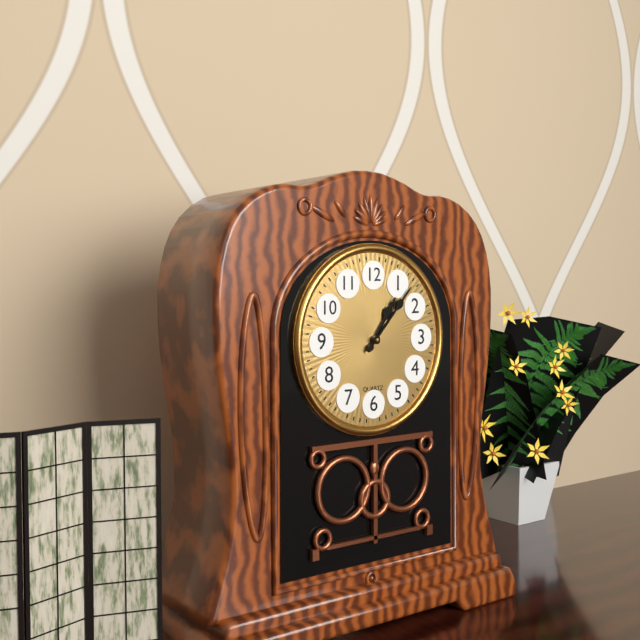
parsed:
1 h 07 min
